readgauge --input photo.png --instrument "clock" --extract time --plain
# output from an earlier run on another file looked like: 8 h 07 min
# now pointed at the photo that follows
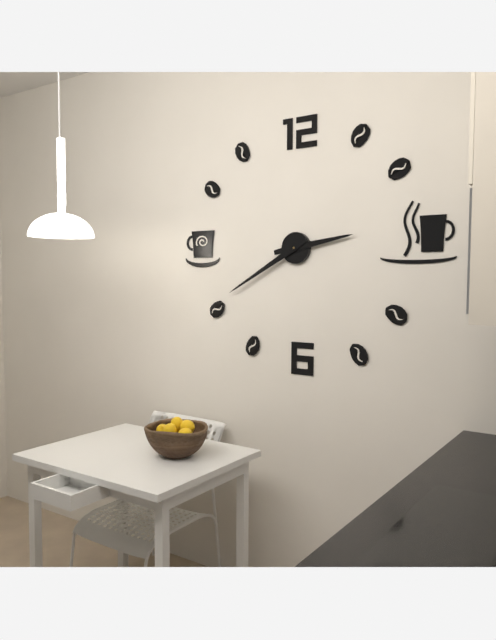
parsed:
2 h 40 min
